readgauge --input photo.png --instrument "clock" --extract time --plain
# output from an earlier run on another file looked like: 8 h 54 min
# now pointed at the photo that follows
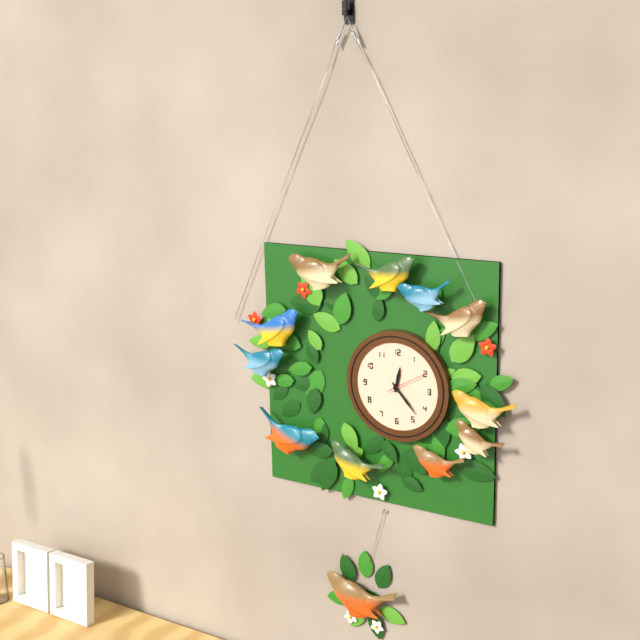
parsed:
12 h 23 min
